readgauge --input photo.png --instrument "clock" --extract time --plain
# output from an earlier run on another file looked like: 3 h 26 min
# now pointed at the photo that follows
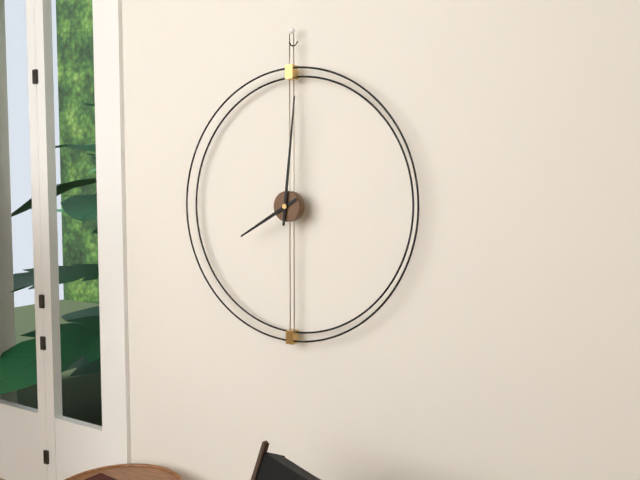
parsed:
8 h 01 min
